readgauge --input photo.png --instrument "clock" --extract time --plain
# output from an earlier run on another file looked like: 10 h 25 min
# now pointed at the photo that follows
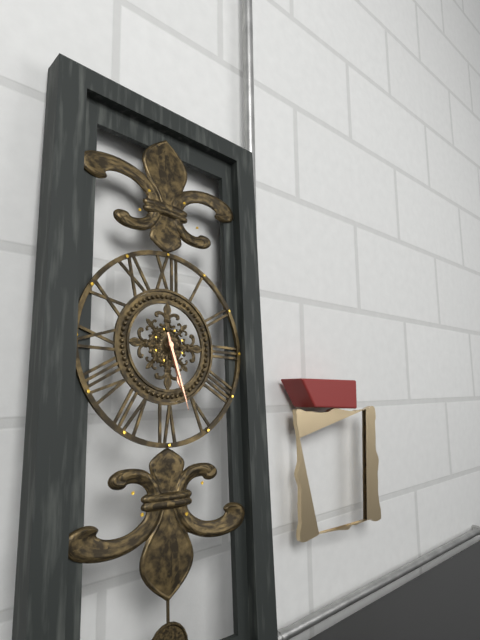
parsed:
5 h 27 min
